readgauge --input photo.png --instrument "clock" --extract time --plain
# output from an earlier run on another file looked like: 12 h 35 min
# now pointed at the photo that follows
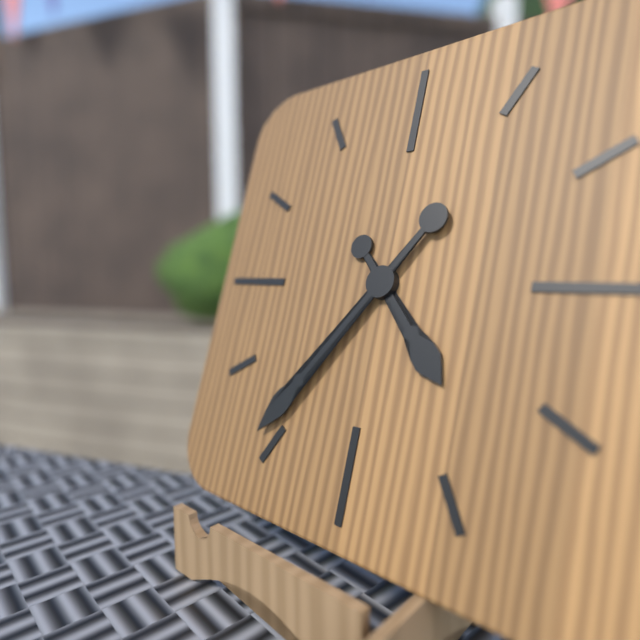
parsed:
4 h 36 min
